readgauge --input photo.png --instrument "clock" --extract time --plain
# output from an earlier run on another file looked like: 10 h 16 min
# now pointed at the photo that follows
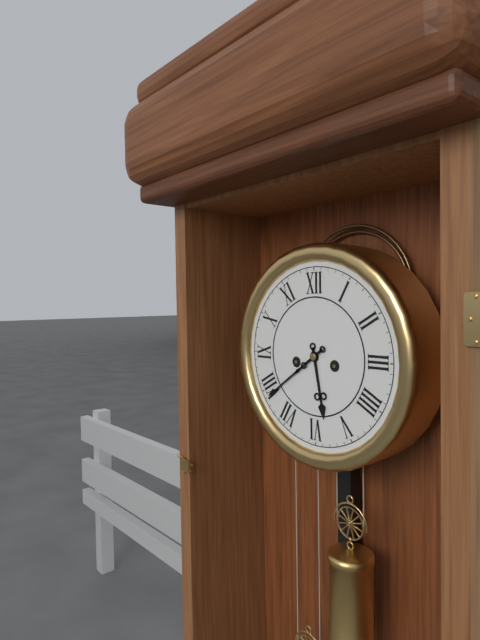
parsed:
5 h 39 min
